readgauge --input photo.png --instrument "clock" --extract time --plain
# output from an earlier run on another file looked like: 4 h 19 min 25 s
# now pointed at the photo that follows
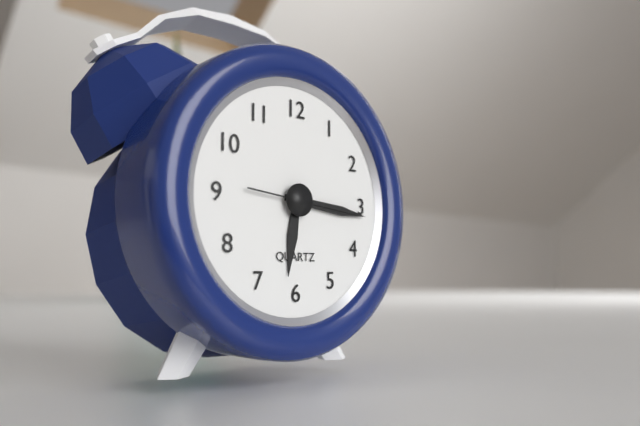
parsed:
6 h 16 min 16 s
